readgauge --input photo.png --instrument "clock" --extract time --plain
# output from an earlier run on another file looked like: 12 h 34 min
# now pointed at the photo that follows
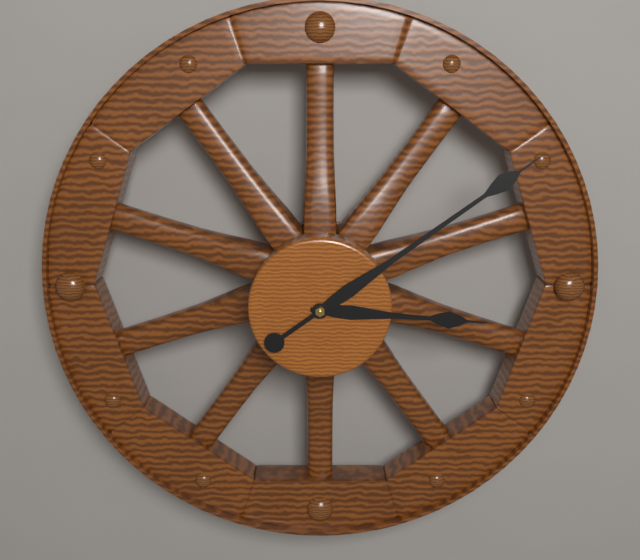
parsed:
3 h 09 min
